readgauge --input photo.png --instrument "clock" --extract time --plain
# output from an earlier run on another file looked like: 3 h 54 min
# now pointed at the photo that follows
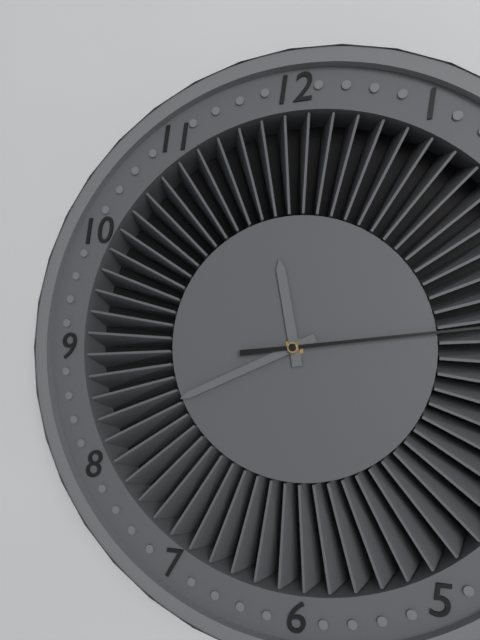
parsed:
11 h 41 min
